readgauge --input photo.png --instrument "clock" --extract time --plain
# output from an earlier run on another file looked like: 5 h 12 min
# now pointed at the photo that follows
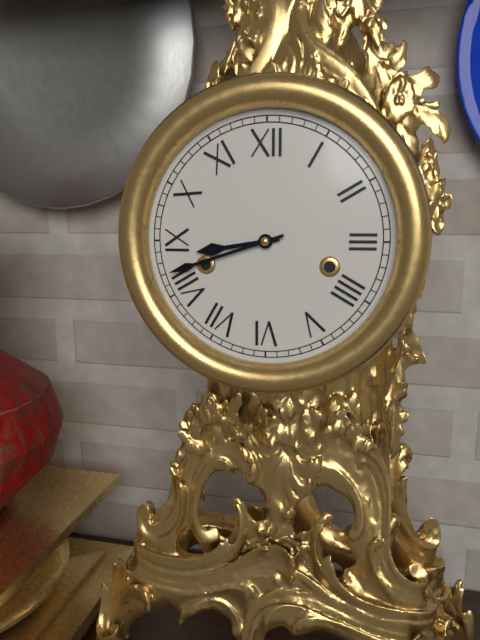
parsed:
8 h 42 min
